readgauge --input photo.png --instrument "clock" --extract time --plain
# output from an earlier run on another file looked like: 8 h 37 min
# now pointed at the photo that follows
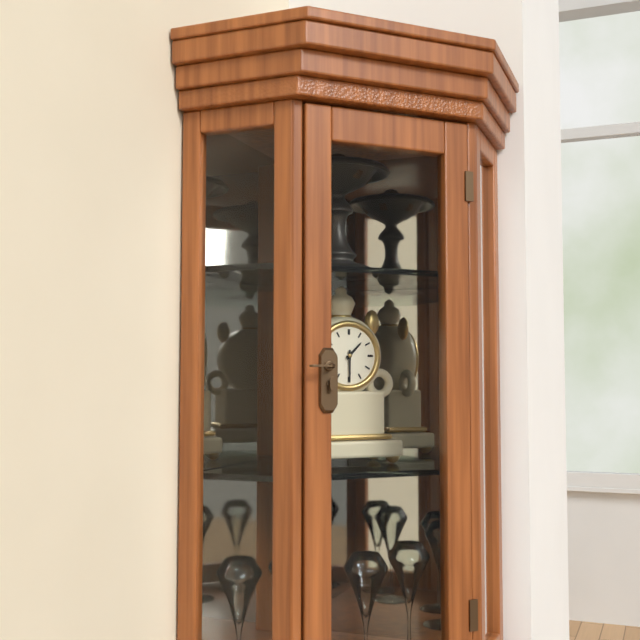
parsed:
1 h 30 min
